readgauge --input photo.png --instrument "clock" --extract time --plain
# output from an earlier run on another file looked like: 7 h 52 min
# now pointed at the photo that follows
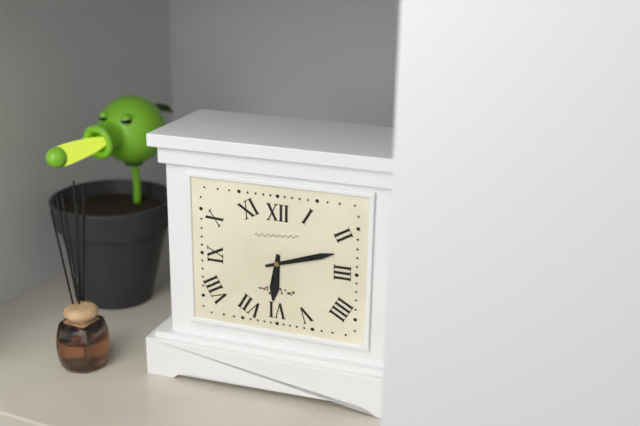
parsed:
6 h 12 min
